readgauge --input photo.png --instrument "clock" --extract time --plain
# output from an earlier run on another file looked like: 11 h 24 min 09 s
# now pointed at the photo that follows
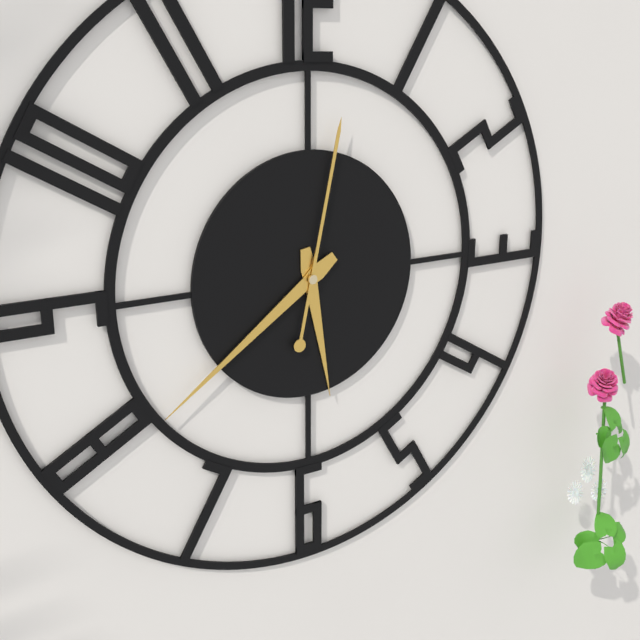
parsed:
5 h 39 min 02 s
